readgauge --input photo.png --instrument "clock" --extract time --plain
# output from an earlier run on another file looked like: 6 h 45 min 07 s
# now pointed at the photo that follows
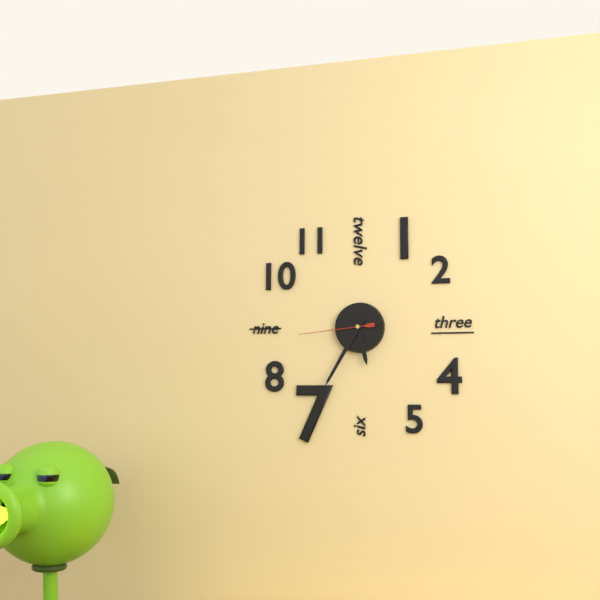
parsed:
5 h 35 min 44 s
